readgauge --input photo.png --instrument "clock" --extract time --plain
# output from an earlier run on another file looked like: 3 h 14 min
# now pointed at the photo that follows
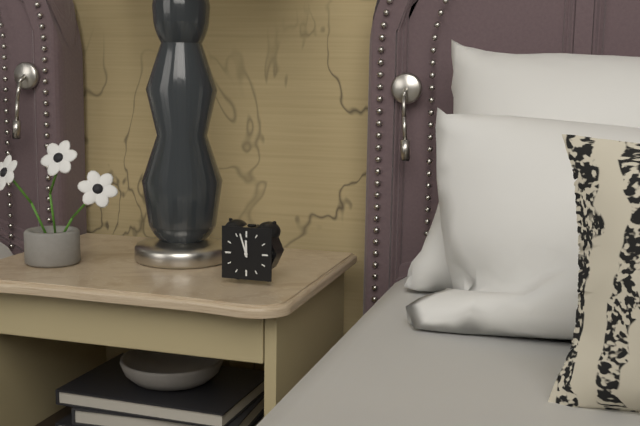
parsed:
11 h 57 min
